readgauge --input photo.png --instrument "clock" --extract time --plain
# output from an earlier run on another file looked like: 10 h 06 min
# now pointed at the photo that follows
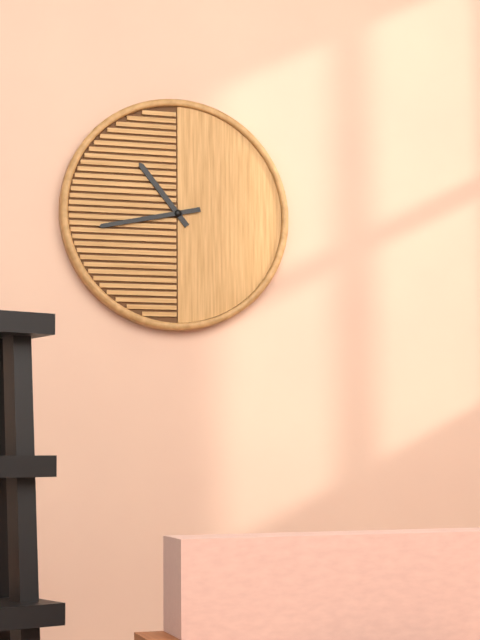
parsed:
10 h 43 min
